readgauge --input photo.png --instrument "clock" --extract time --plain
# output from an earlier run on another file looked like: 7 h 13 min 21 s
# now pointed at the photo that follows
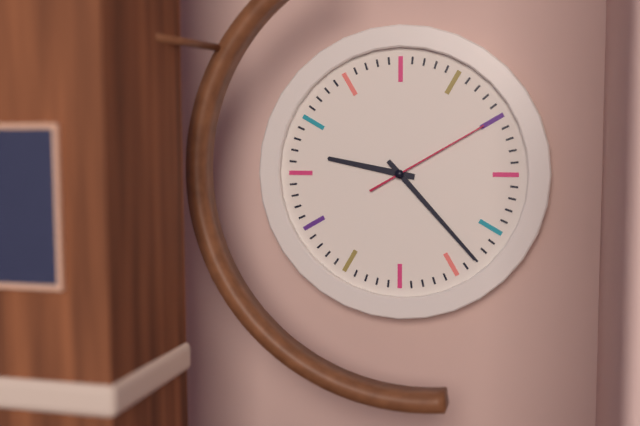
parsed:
9 h 23 min 10 s
